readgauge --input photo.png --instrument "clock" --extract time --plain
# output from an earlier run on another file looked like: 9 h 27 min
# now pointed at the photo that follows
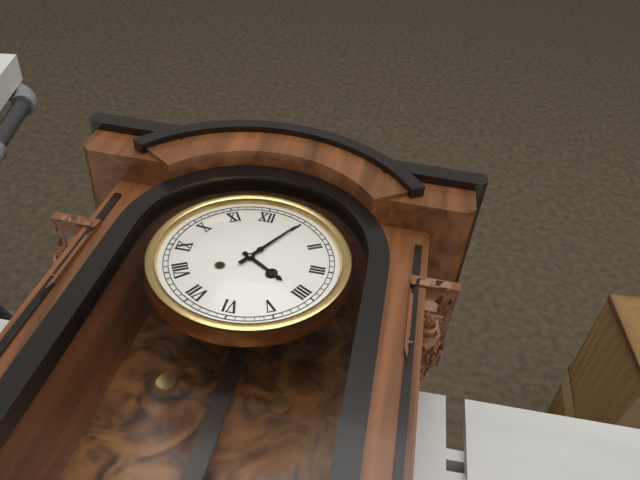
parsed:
4 h 05 min
